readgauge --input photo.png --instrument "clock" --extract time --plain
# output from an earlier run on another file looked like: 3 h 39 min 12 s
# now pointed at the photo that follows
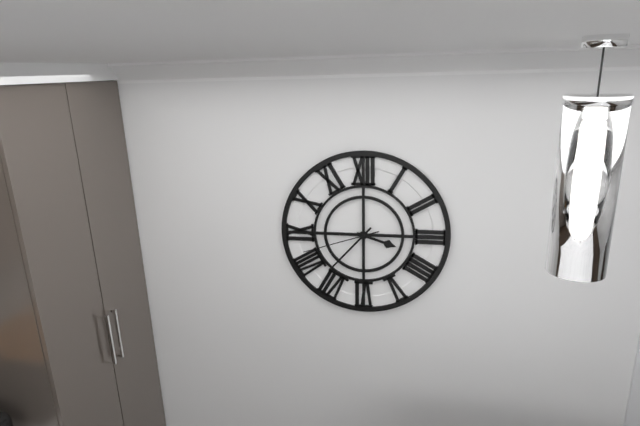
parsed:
3 h 37 min 42 s
